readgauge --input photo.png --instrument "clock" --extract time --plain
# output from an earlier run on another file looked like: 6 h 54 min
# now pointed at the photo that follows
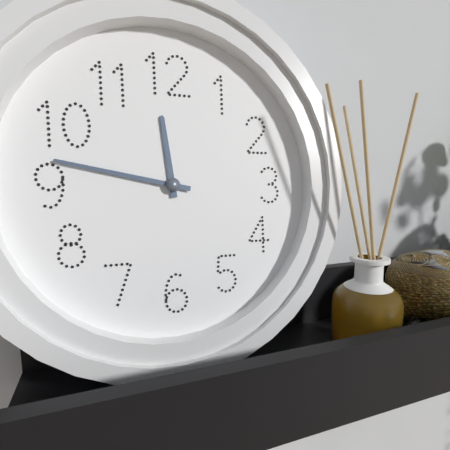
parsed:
11 h 47 min
